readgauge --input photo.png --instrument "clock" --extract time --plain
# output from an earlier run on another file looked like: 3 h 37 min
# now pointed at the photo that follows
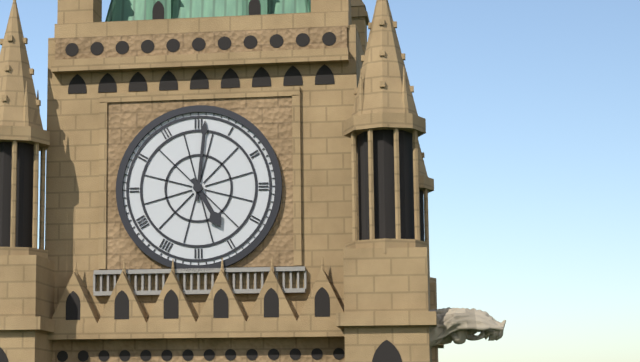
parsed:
5 h 01 min
